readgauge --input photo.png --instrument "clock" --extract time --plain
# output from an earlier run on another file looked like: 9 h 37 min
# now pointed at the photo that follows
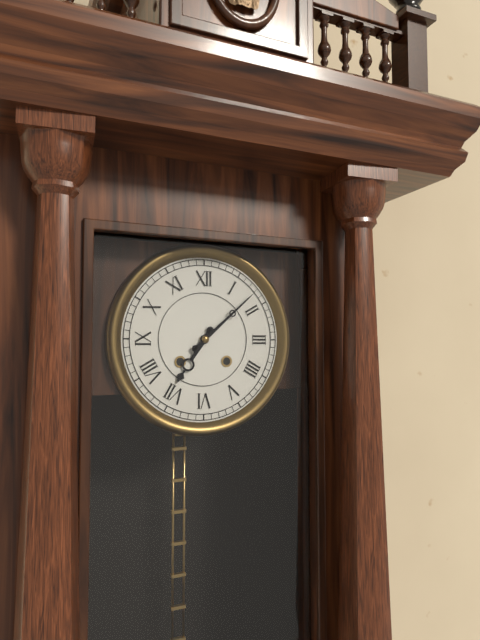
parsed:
7 h 08 min
